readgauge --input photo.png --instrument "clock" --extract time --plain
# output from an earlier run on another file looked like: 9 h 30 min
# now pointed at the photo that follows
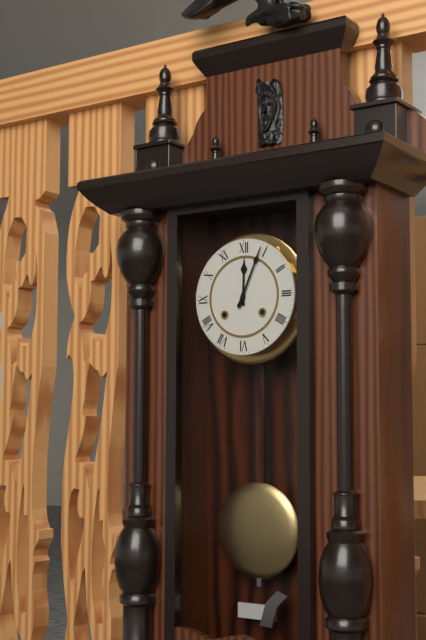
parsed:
12 h 04 min
